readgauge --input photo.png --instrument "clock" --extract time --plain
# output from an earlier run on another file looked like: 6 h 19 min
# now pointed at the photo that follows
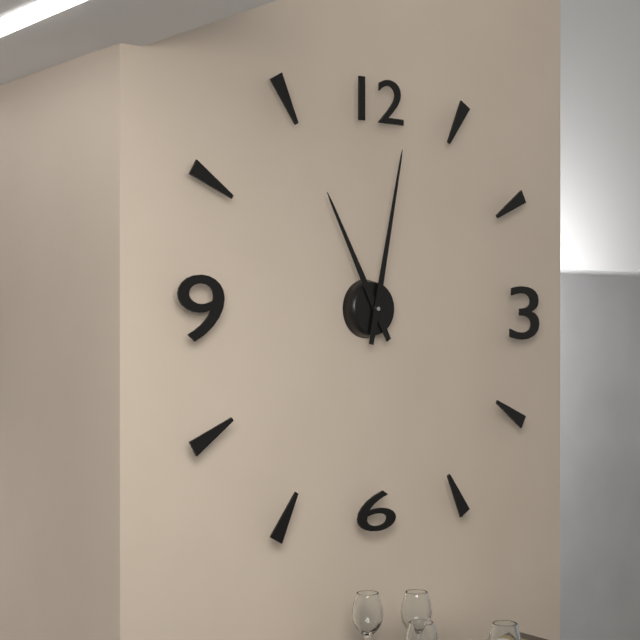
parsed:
11 h 02 min
